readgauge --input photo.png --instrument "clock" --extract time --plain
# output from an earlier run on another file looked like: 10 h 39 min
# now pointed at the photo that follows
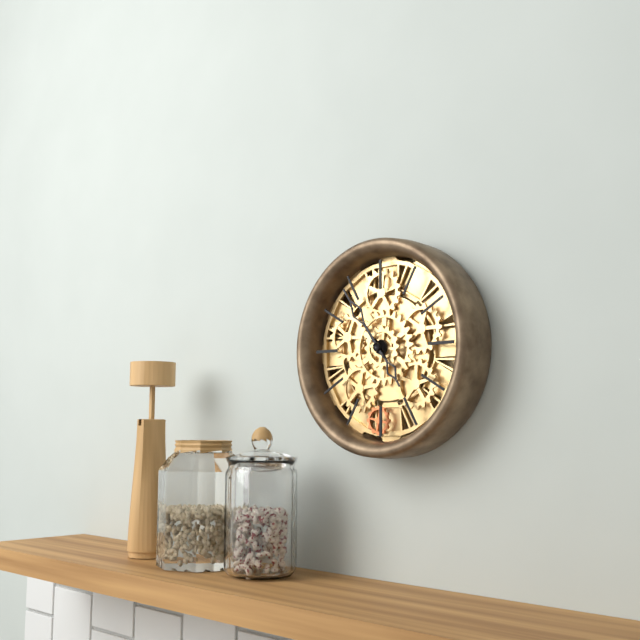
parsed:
4 h 54 min
